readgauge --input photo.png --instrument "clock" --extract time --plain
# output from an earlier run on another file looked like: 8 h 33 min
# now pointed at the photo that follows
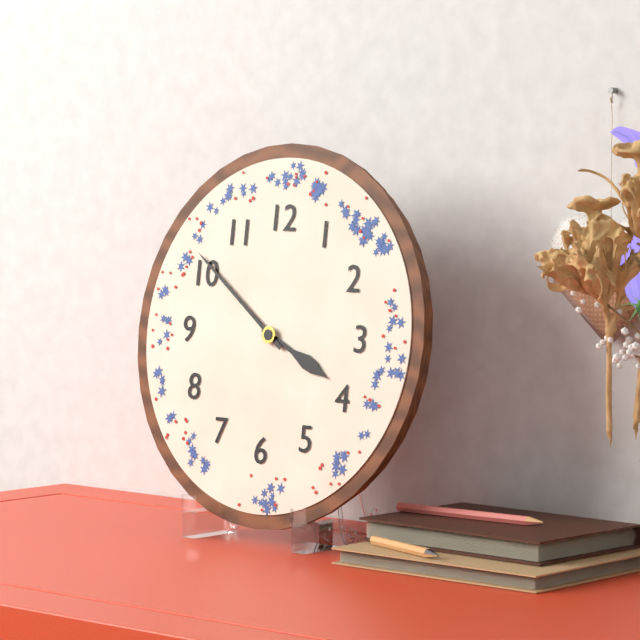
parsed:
3 h 51 min
